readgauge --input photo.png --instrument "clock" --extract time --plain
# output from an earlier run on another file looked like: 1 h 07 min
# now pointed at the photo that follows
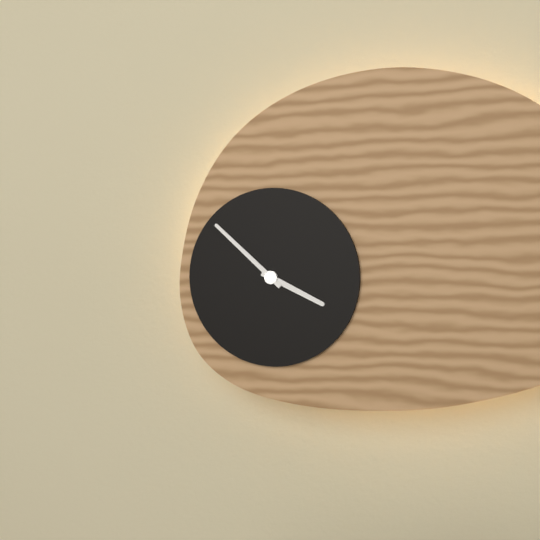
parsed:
3 h 52 min
